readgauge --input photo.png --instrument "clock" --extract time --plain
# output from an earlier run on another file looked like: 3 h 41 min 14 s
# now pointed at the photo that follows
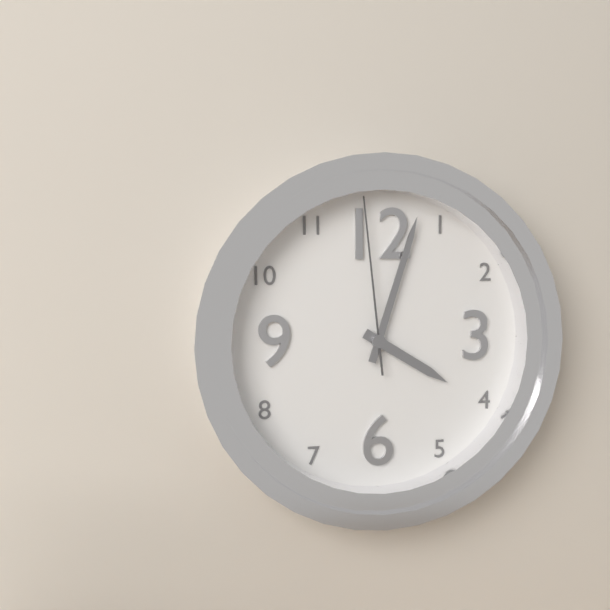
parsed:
4 h 03 min 59 s
